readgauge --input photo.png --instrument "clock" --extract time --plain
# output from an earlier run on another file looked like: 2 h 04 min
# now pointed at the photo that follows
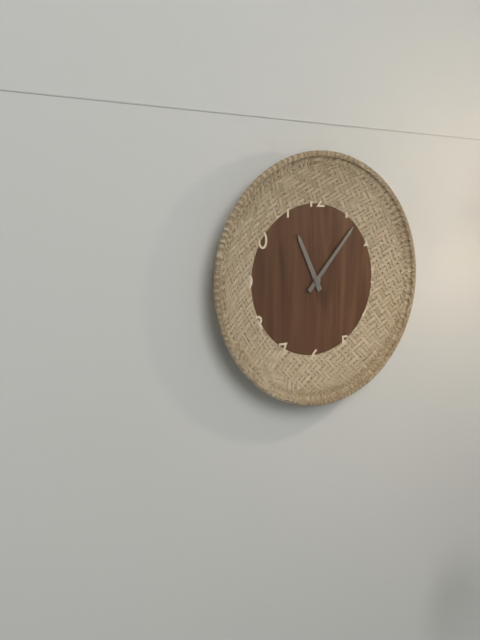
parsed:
11 h 07 min
